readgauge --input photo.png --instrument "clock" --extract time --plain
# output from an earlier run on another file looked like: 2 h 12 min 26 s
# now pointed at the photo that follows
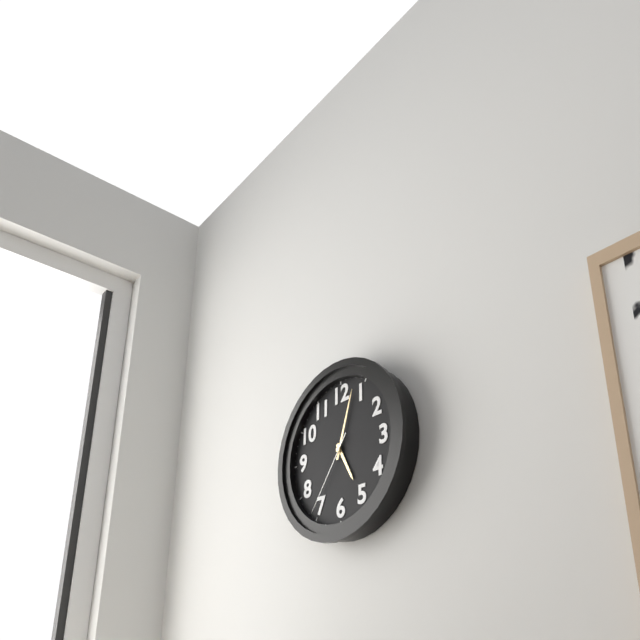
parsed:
5 h 03 min 36 s
